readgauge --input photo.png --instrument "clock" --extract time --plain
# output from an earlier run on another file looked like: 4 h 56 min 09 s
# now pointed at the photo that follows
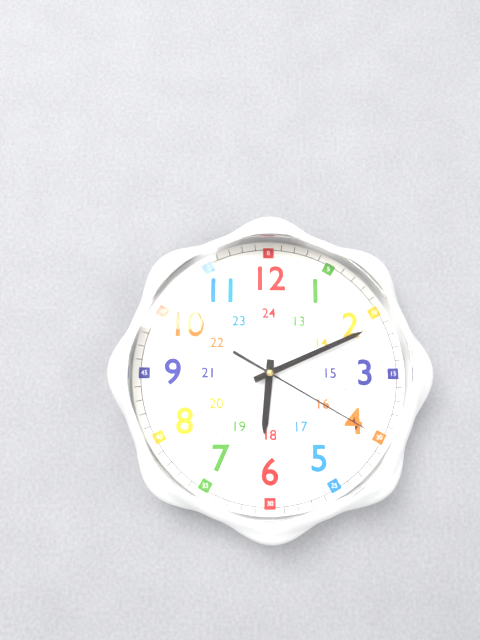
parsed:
6 h 11 min 20 s
